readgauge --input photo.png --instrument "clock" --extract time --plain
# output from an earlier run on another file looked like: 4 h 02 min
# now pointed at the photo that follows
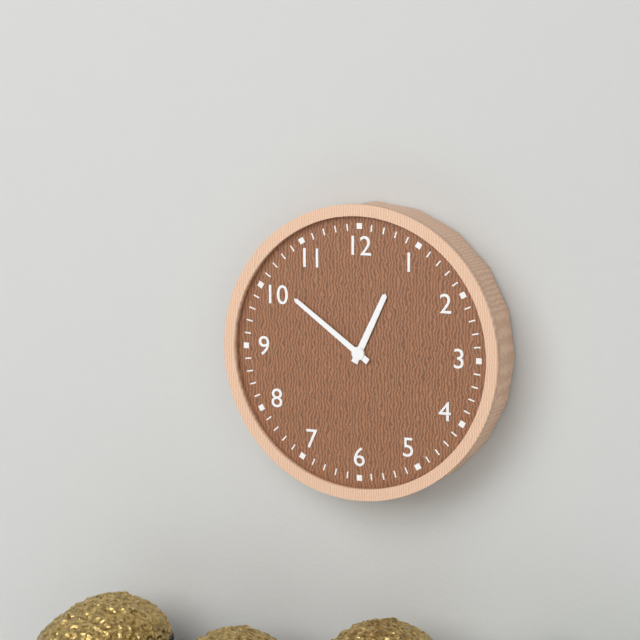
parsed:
12 h 51 min
